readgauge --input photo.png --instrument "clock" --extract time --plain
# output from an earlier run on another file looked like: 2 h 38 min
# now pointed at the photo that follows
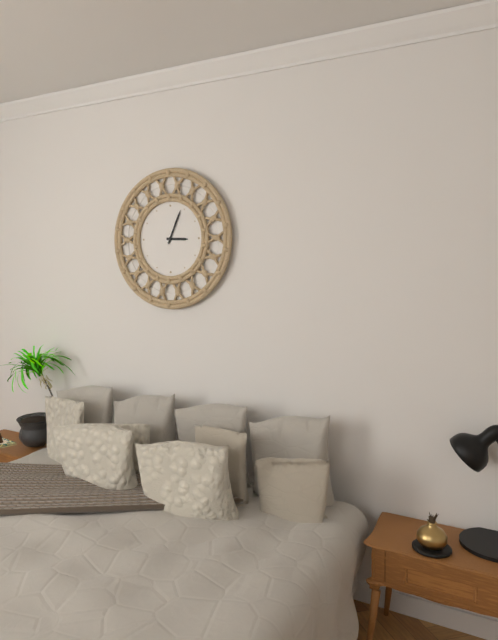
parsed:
3 h 04 min
